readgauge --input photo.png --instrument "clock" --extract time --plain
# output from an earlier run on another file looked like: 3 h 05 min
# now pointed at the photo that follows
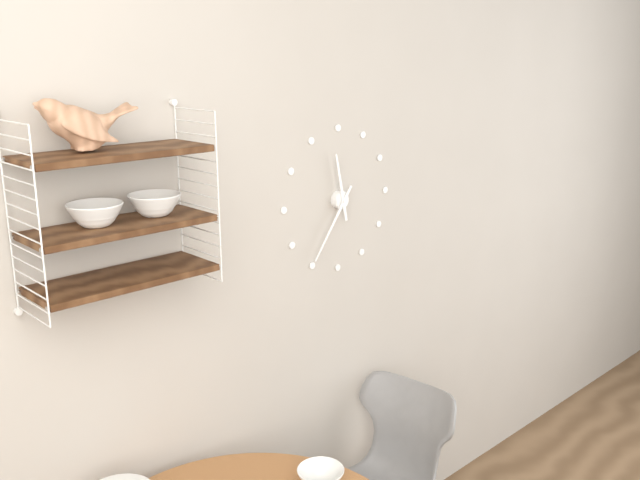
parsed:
11 h 36 min
